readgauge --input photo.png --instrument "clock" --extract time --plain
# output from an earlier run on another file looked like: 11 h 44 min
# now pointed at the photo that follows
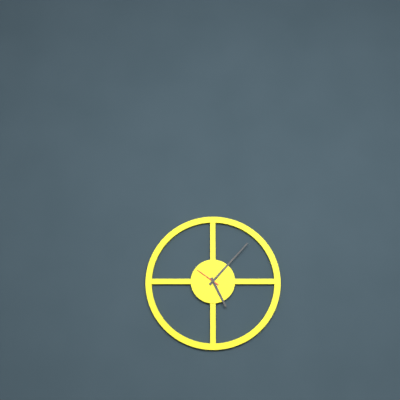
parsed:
5 h 07 min
